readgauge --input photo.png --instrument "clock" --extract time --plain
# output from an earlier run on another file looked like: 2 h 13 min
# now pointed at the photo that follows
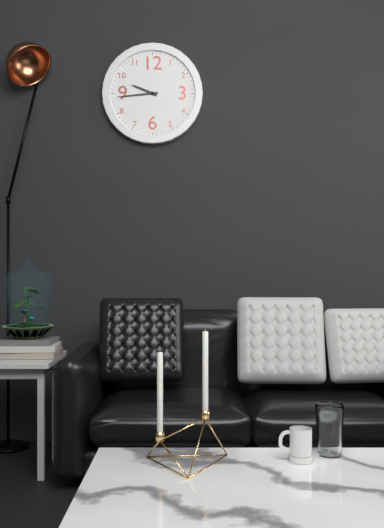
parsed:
9 h 44 min
